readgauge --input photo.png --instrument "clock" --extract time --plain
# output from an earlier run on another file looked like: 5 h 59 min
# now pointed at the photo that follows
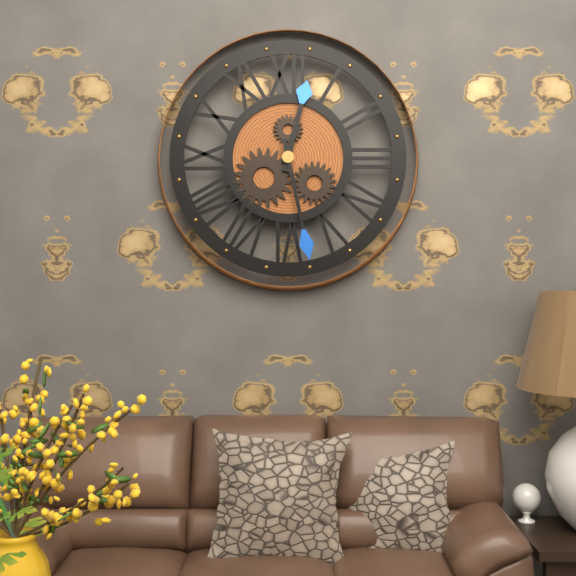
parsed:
12 h 28 min
